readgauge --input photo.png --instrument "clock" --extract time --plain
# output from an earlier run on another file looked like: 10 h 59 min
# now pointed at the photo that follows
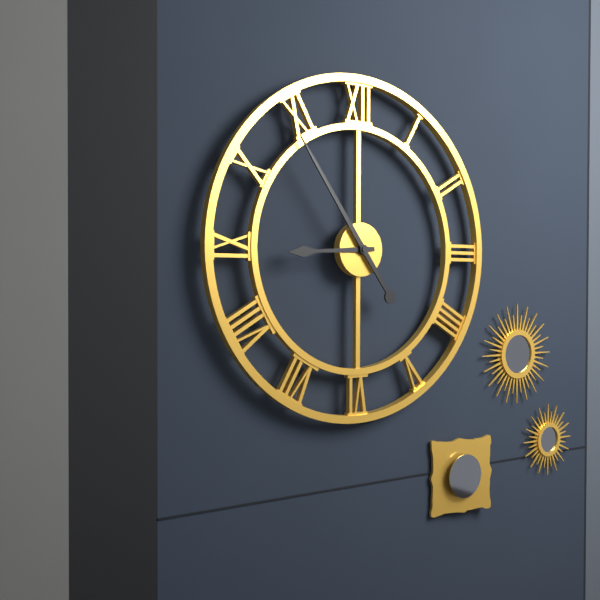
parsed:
8 h 54 min
